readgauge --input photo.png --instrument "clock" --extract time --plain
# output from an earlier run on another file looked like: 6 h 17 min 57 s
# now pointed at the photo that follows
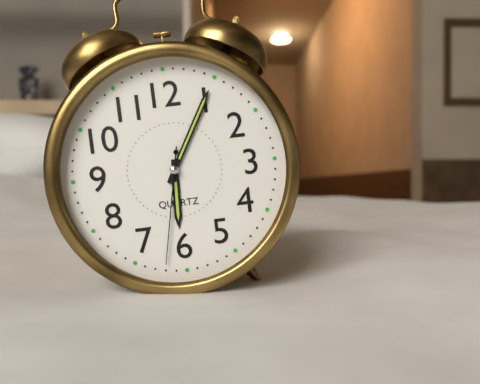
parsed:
6 h 05 min 32 s
